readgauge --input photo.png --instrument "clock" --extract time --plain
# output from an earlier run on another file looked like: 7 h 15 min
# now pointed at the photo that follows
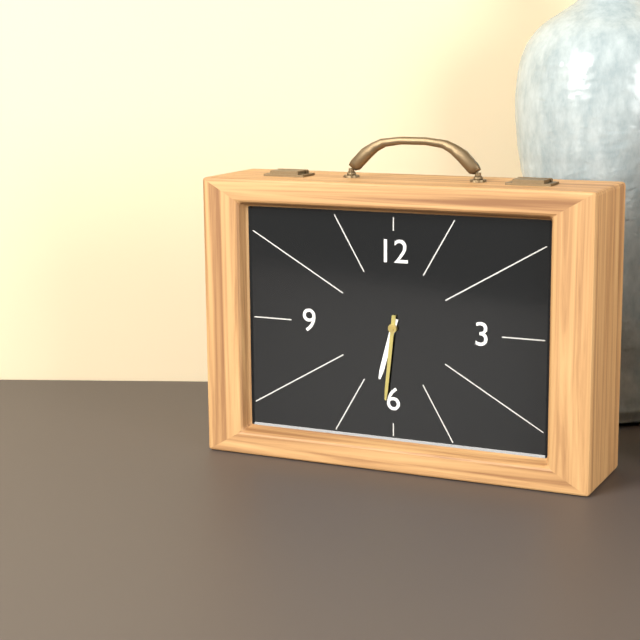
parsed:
6 h 31 min
